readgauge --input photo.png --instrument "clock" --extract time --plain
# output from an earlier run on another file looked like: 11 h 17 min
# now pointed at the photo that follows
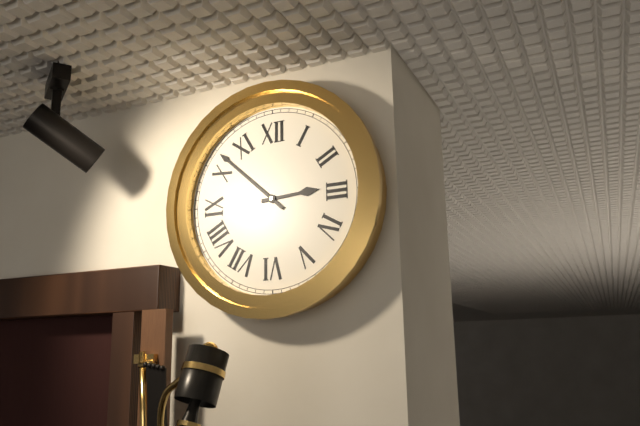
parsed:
2 h 52 min
